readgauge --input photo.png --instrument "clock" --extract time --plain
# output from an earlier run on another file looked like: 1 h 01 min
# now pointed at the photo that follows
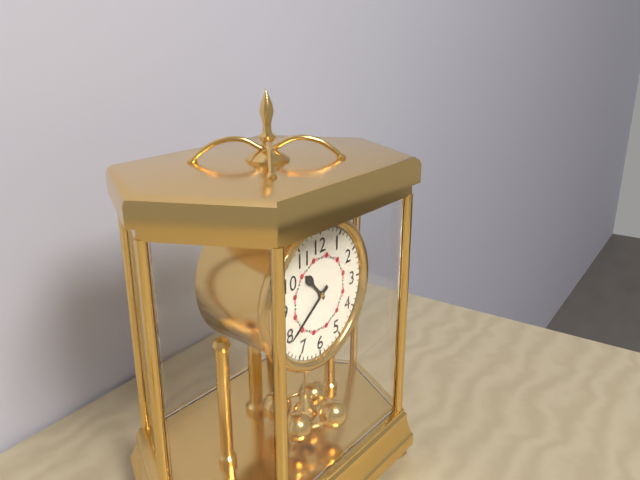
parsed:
10 h 39 min
